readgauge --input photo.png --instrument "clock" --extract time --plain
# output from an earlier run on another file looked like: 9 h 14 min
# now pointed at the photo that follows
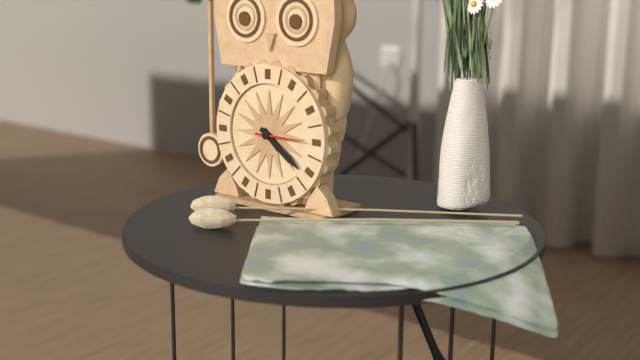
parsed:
4 h 21 min
